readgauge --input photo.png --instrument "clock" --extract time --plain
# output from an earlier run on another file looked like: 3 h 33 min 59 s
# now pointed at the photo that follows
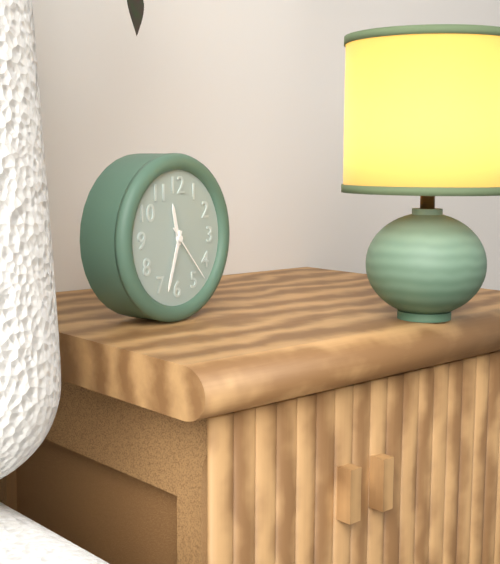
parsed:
11 h 33 min 23 s
